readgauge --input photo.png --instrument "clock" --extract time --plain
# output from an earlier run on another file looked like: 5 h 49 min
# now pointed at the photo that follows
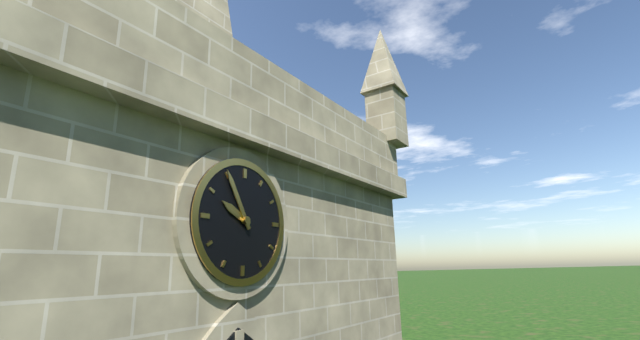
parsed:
9 h 55 min
